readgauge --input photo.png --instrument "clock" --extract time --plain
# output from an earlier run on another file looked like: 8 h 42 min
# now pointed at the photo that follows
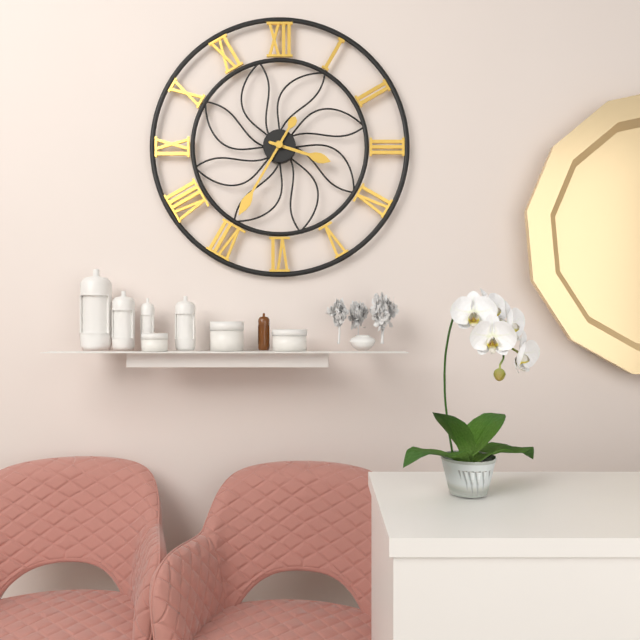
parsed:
3 h 35 min
